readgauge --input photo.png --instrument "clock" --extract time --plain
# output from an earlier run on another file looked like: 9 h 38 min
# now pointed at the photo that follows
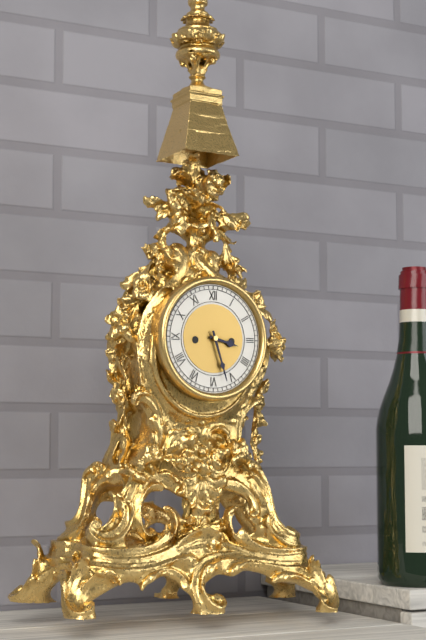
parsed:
3 h 27 min
